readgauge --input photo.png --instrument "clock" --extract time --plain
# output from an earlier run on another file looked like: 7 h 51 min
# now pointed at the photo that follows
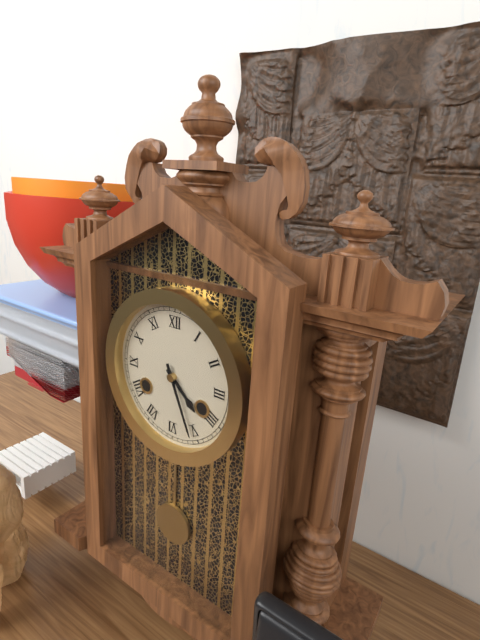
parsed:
4 h 26 min
